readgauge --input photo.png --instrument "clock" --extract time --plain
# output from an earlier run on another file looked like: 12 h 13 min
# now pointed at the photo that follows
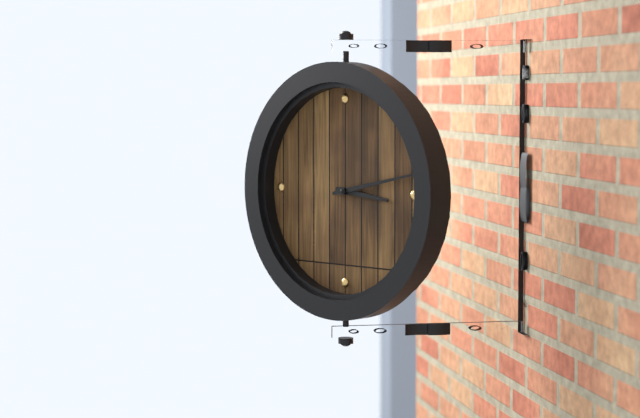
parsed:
3 h 13 min
